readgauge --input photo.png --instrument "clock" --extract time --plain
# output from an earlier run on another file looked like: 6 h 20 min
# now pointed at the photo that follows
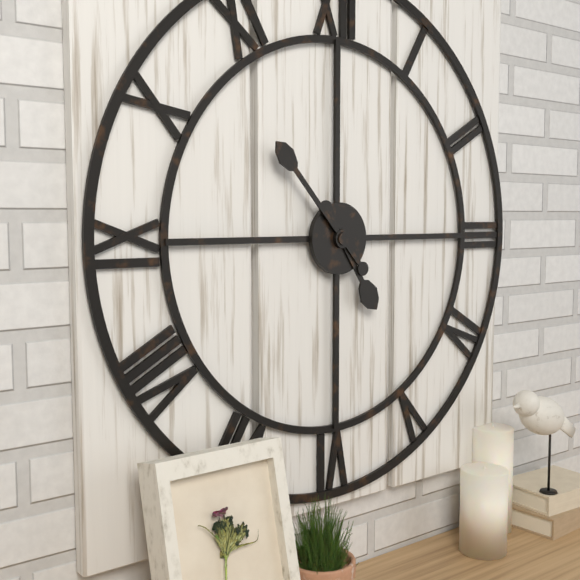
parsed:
4 h 53 min
